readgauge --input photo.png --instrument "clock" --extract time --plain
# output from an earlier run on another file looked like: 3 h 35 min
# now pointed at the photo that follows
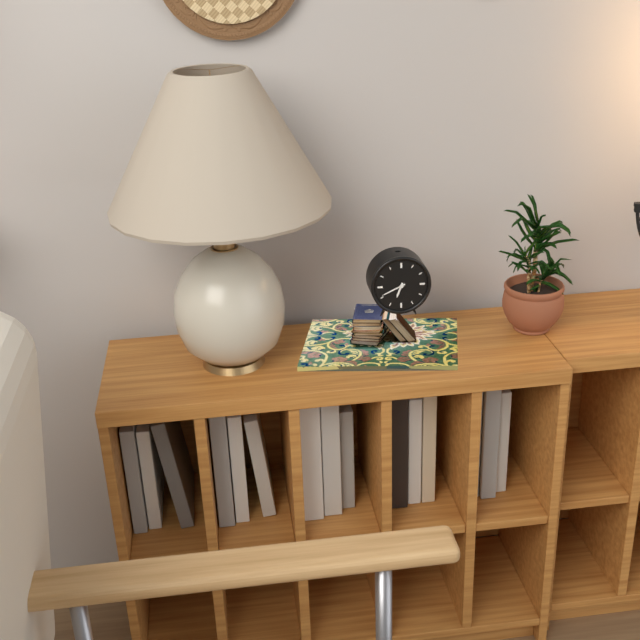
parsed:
6 h 41 min
